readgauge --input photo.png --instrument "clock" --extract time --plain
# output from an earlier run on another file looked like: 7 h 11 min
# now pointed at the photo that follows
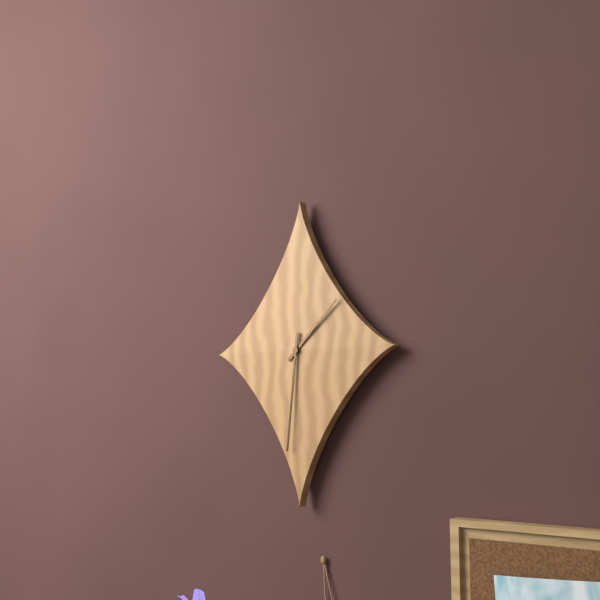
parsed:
1 h 31 min
